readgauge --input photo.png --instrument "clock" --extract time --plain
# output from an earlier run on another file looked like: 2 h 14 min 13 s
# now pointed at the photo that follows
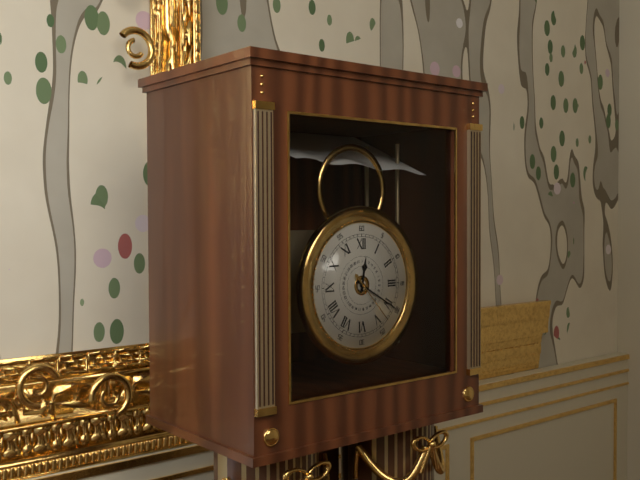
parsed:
12 h 20 min 23 s
